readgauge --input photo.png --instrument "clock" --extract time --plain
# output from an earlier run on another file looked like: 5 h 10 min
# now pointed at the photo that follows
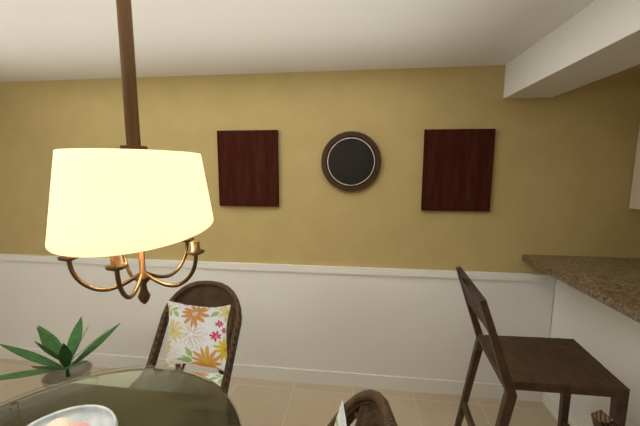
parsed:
9 h 19 min
